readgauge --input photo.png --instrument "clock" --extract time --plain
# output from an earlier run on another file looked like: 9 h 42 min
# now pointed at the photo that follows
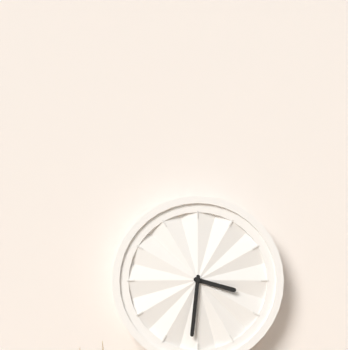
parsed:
3 h 31 min
